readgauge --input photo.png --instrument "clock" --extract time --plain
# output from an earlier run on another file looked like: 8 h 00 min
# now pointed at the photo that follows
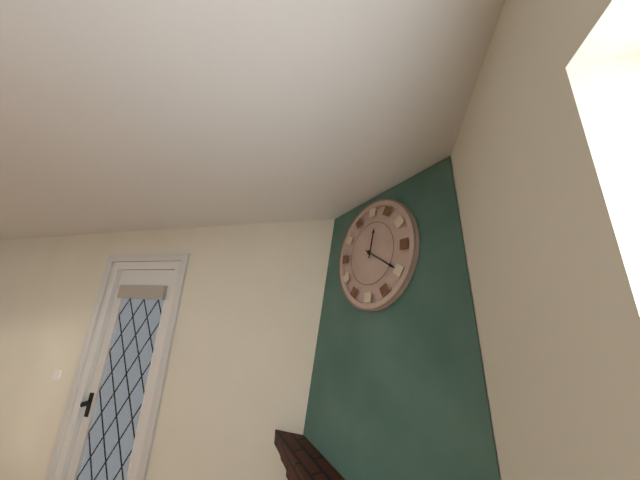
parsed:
12 h 20 min
